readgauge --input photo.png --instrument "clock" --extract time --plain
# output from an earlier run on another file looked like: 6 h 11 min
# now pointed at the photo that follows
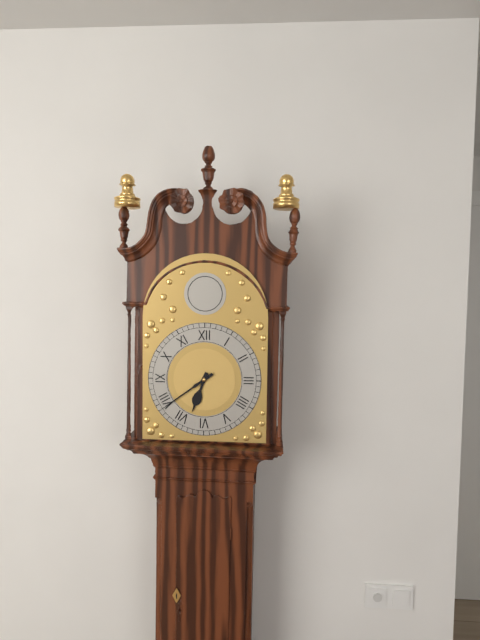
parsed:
6 h 39 min
